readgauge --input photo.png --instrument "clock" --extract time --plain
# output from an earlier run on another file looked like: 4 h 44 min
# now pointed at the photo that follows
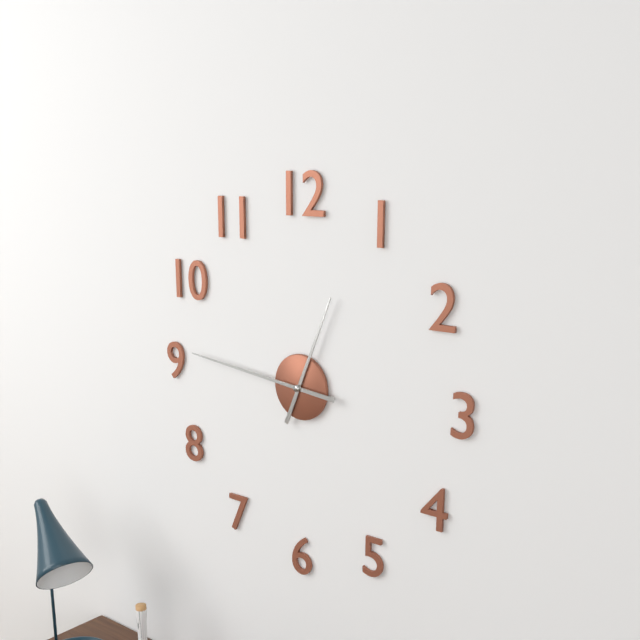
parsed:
12 h 46 min
